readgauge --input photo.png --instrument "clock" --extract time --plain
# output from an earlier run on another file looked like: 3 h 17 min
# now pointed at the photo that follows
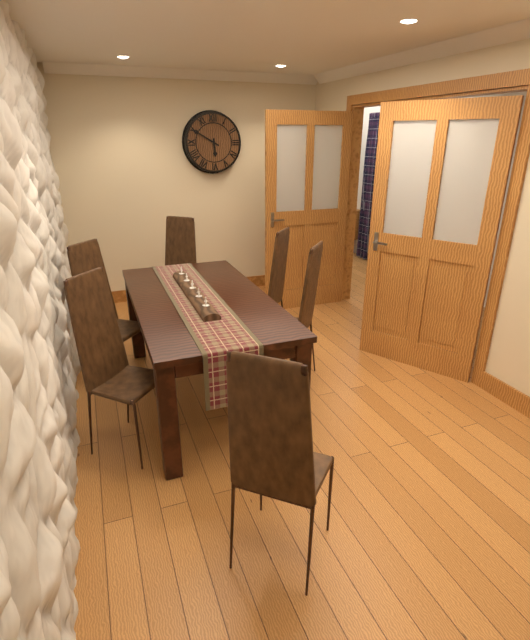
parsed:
5 h 50 min
